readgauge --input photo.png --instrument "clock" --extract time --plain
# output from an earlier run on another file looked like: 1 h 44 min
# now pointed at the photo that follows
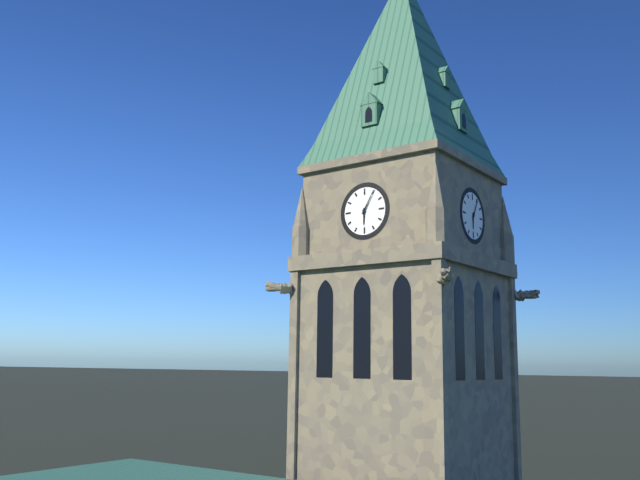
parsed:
6 h 05 min
